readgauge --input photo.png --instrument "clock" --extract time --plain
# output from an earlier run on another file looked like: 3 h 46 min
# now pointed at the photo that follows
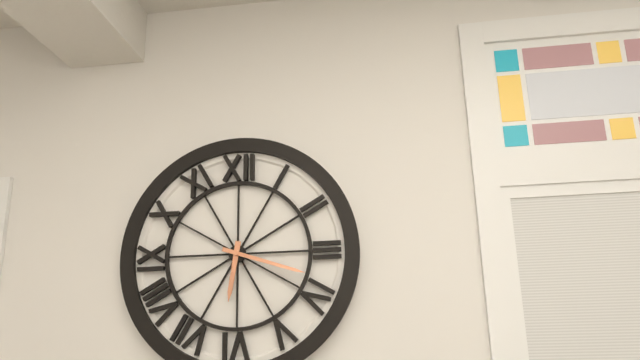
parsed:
6 h 18 min
